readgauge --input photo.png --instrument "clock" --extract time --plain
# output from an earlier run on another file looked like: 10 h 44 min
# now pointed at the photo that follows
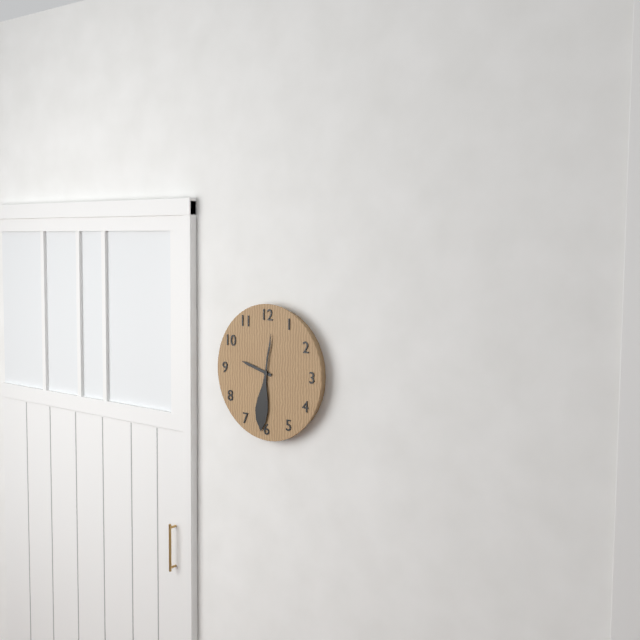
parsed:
9 h 31 min
